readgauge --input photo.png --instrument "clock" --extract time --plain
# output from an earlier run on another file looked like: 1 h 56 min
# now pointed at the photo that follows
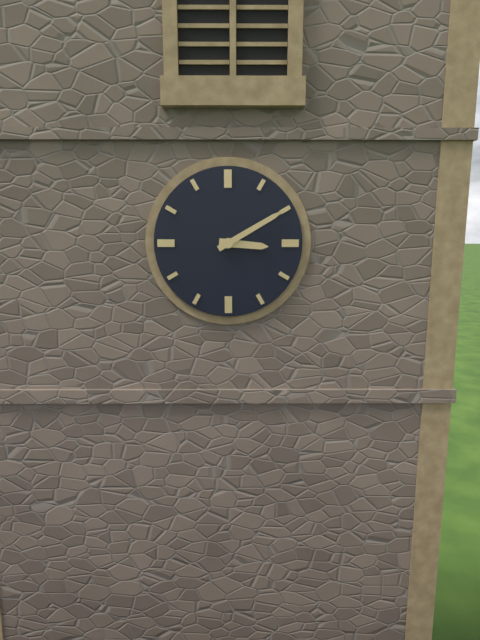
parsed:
3 h 10 min
